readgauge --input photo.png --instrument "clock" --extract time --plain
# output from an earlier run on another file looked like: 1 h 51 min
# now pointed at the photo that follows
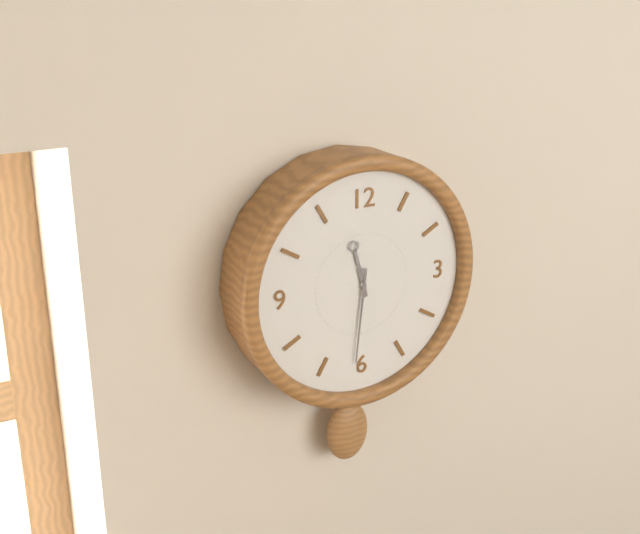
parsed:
11 h 31 min
